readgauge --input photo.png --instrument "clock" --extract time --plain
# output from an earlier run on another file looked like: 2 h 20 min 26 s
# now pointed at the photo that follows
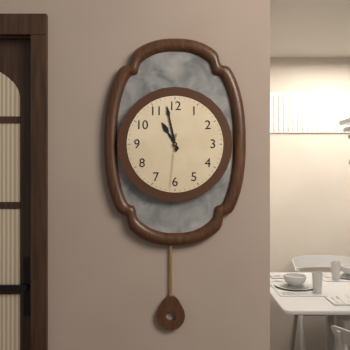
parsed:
10 h 58 min 31 s
